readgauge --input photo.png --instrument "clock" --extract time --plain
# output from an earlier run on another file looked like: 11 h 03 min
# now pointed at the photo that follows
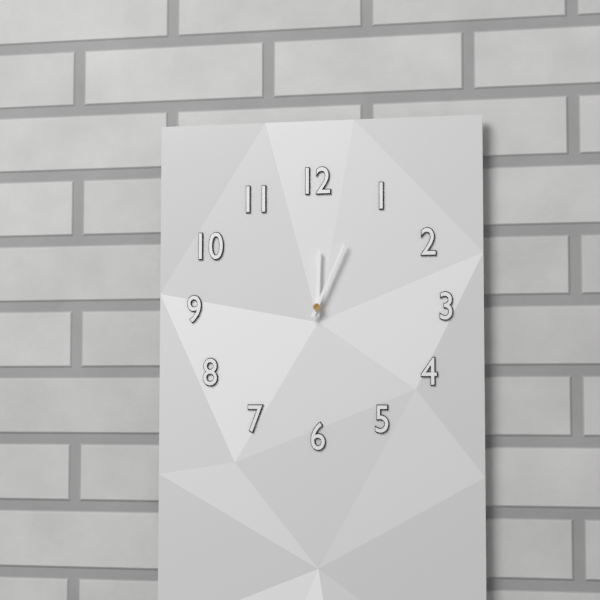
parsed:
12 h 04 min
